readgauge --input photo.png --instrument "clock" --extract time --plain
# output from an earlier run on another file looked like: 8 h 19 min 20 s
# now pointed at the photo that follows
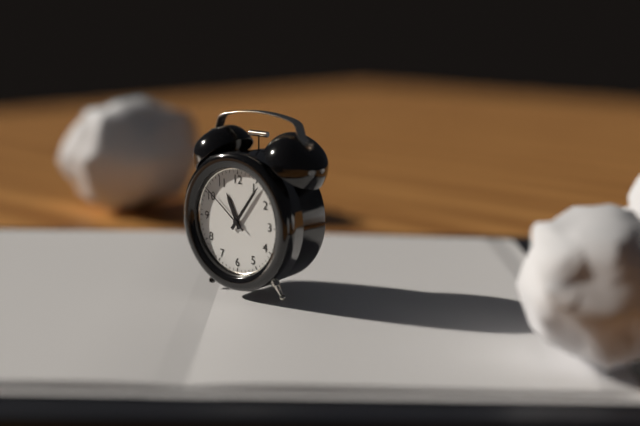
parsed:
11 h 06 min 51 s
